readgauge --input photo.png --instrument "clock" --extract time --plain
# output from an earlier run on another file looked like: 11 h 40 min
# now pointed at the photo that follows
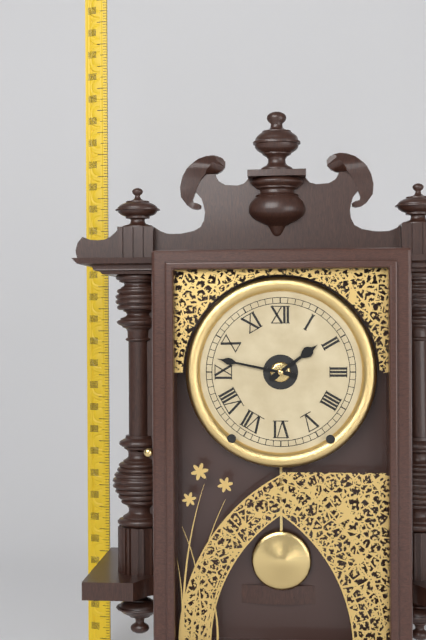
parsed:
1 h 47 min
